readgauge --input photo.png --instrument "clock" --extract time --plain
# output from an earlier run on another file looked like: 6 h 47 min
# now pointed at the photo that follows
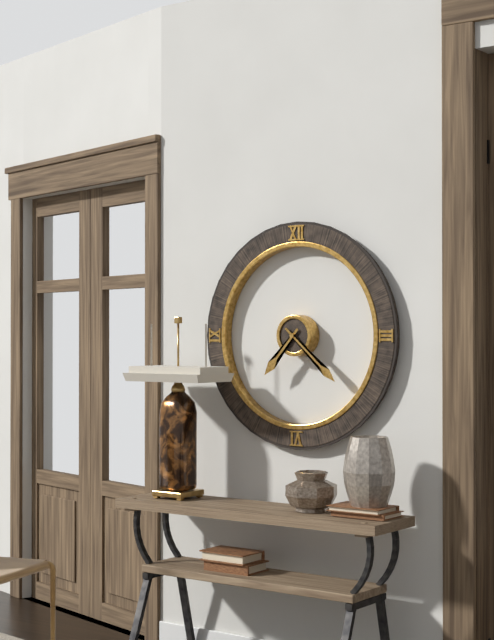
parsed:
7 h 22 min
